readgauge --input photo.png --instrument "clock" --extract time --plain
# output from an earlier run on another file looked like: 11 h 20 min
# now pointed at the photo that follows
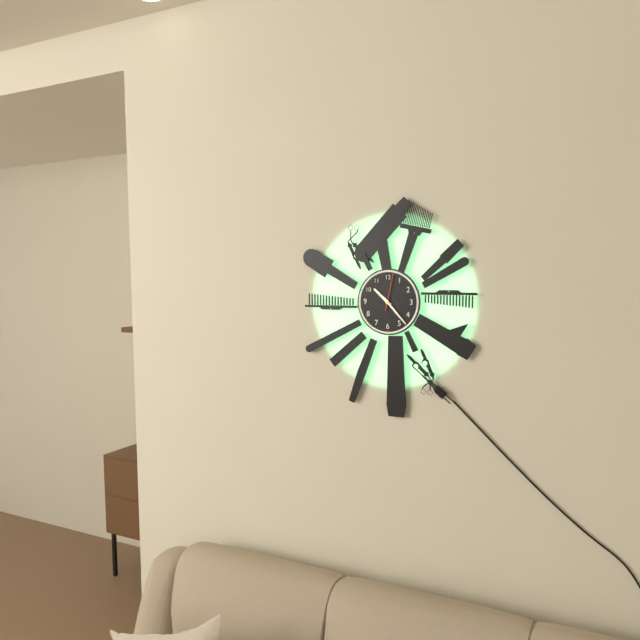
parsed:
10 h 23 min
